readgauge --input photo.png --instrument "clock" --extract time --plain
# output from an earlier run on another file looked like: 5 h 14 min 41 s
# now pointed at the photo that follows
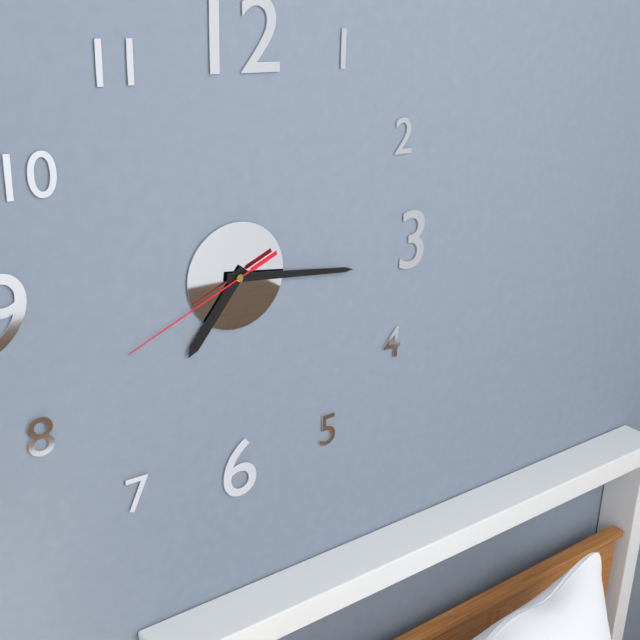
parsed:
7 h 16 min 41 s
